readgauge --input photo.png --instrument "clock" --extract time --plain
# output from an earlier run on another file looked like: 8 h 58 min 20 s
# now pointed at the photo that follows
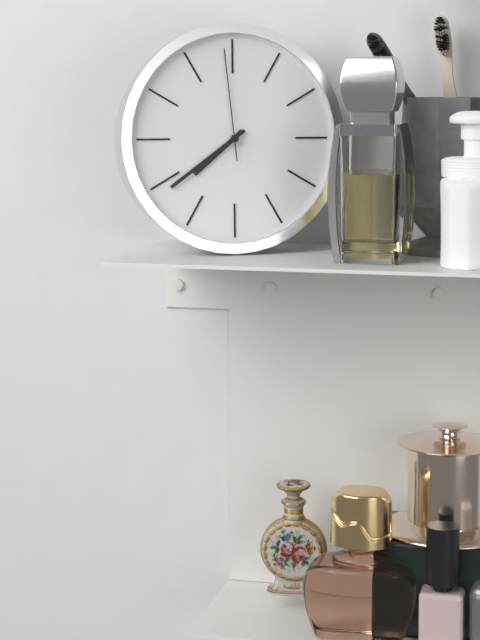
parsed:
7 h 39 min 59 s
